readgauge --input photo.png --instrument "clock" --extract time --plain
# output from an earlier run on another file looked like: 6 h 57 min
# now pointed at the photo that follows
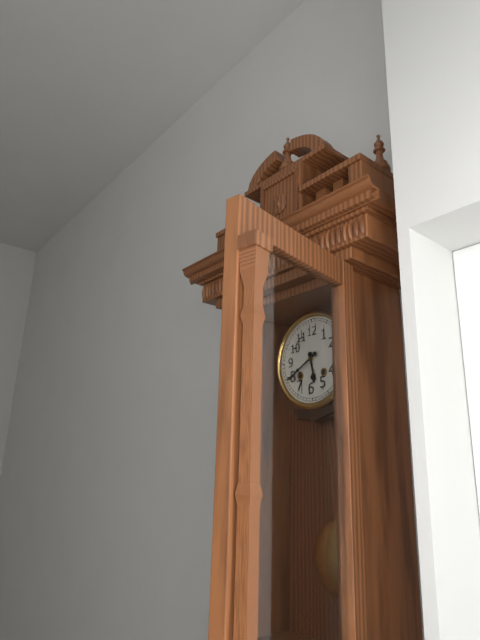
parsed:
5 h 40 min
